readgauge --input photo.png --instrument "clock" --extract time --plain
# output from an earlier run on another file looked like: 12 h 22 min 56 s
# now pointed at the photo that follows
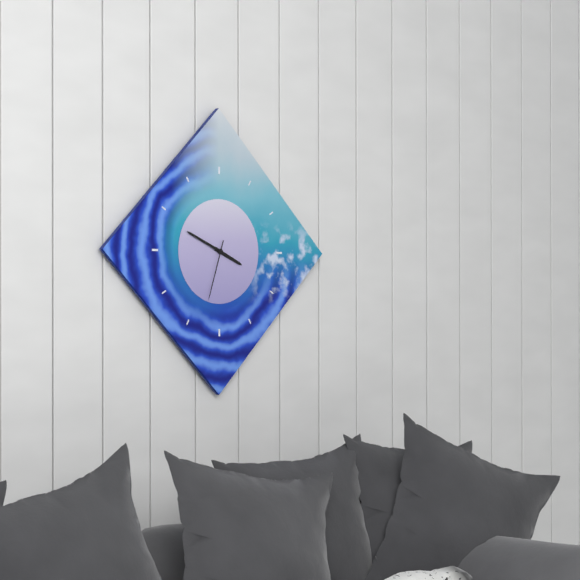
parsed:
3 h 49 min 33 s
